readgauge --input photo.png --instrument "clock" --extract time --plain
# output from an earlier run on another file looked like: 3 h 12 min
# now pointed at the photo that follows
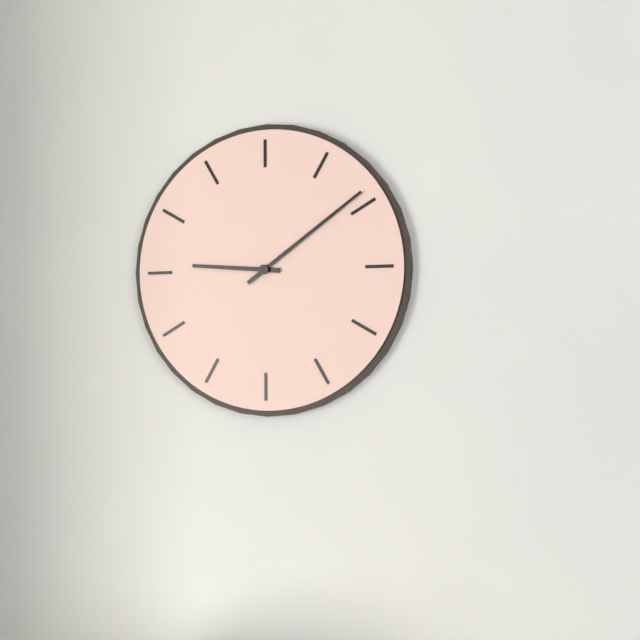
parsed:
9 h 09 min
